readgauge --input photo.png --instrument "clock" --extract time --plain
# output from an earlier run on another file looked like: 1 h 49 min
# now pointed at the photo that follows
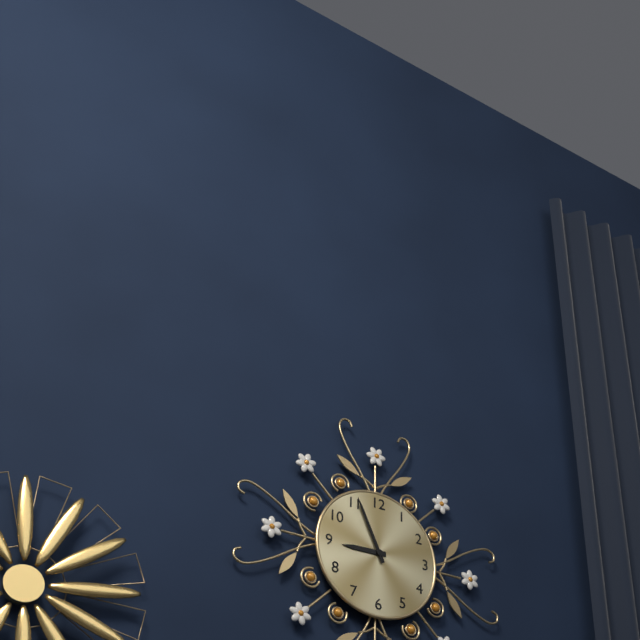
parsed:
8 h 56 min
